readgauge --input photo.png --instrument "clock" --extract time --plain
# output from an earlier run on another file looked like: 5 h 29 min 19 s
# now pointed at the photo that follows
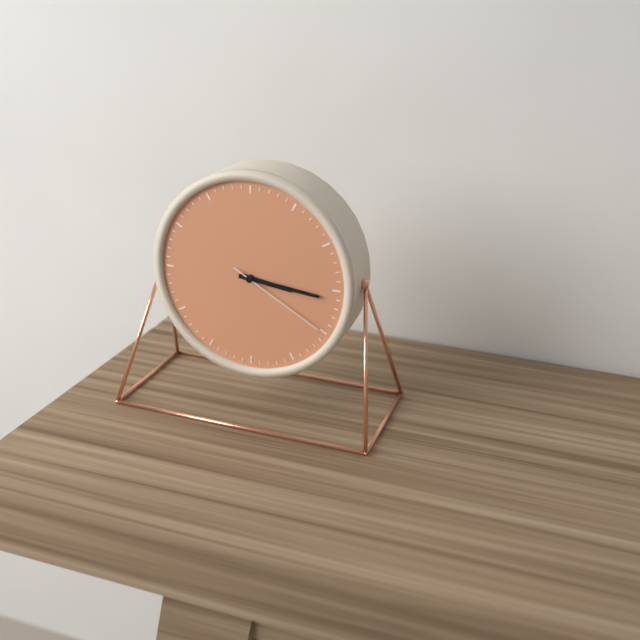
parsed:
3 h 16 min 20 s
